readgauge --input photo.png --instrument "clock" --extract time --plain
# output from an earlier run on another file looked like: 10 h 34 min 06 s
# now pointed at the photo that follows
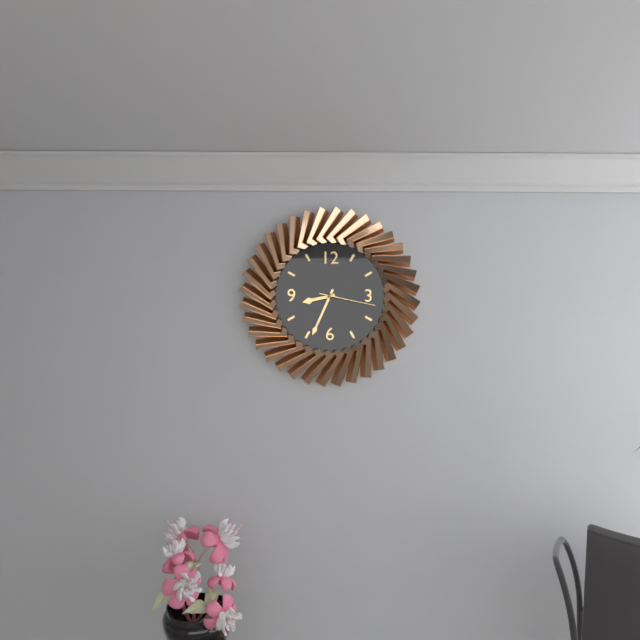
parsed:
8 h 34 min 17 s
